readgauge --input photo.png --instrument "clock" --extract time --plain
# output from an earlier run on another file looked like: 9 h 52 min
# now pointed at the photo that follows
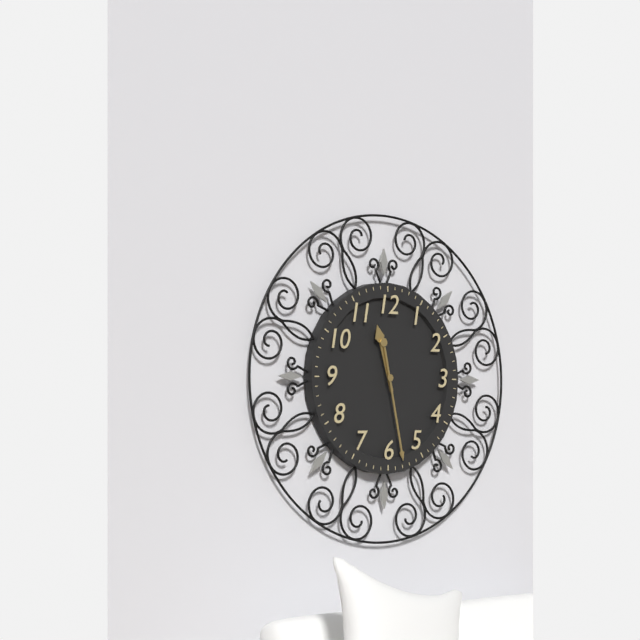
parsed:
11 h 28 min
